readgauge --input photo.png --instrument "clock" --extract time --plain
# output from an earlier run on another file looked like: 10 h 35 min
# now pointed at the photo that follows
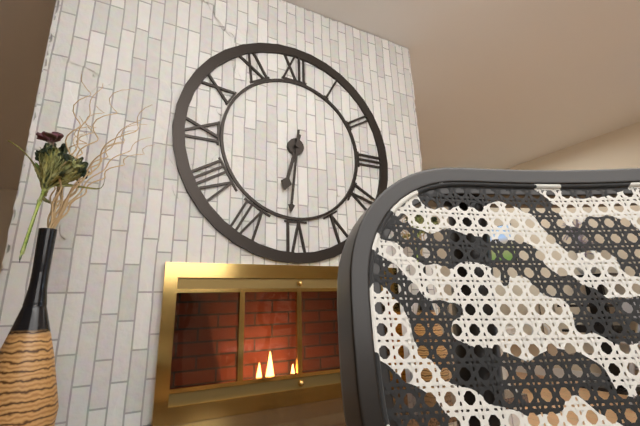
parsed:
6 h 31 min
